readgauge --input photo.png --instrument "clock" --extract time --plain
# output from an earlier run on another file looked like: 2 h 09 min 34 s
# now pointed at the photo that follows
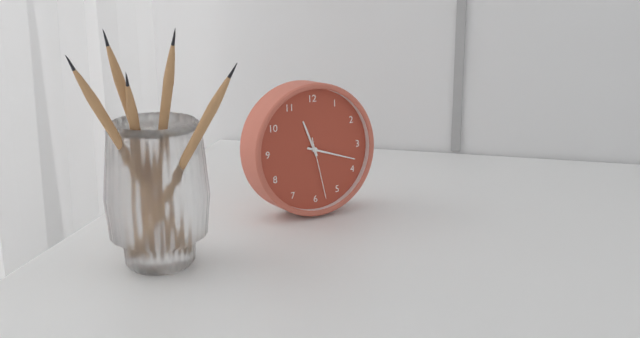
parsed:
11 h 18 min 28 s
